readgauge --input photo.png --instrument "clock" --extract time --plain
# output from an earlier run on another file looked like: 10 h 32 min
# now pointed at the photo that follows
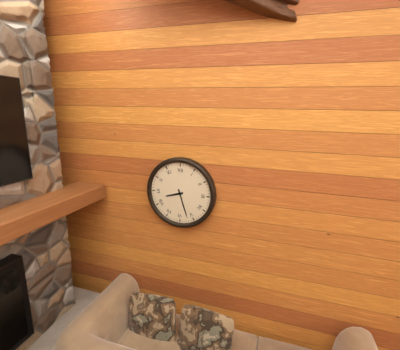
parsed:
8 h 27 min
